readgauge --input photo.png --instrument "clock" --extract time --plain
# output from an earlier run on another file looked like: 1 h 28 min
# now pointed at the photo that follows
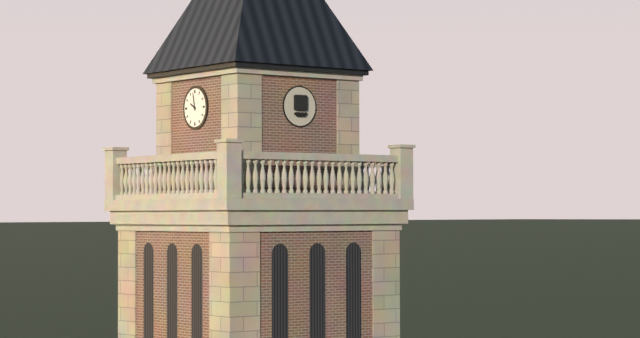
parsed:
9 h 58 min
